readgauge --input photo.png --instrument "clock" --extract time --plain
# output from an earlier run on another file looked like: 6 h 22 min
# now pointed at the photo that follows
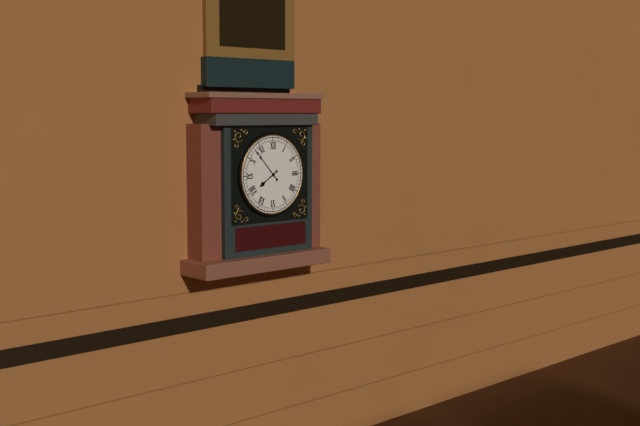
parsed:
7 h 53 min
